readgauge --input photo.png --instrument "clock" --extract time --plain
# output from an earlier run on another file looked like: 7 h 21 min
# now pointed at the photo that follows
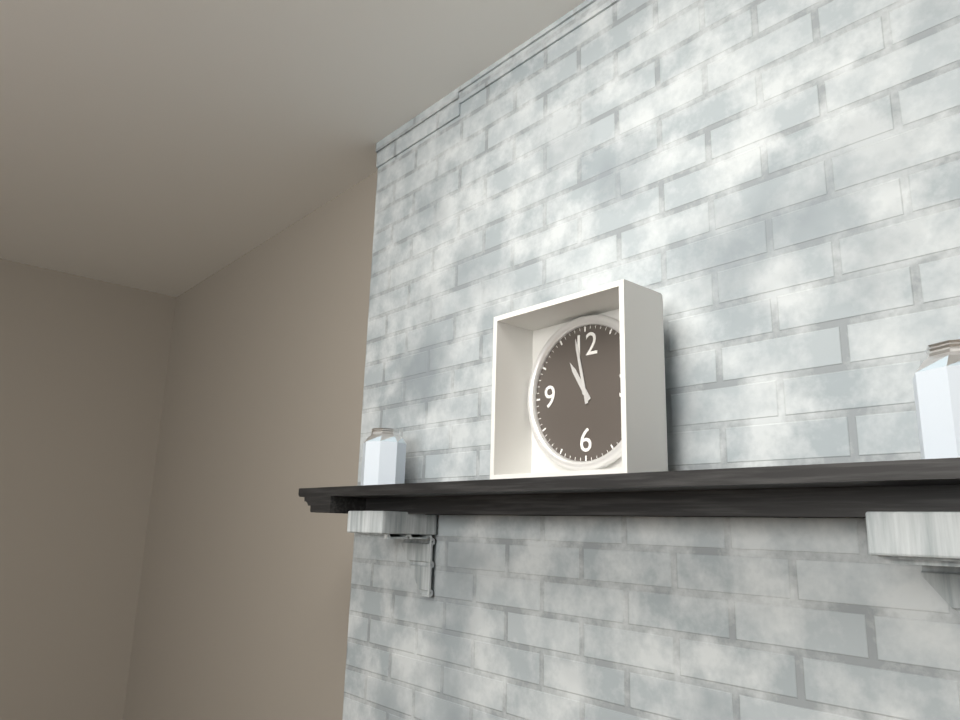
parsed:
10 h 58 min
